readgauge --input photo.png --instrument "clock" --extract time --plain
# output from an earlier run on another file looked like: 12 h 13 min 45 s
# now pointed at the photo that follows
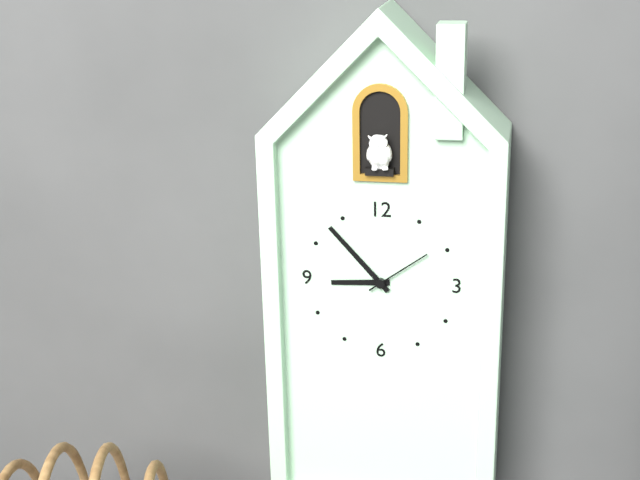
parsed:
8 h 53 min 09 s
